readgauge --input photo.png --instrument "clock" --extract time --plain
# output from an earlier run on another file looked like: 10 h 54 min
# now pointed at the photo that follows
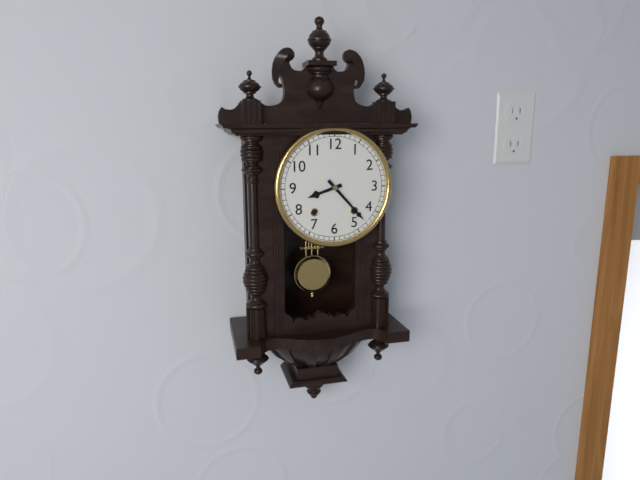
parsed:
8 h 23 min
